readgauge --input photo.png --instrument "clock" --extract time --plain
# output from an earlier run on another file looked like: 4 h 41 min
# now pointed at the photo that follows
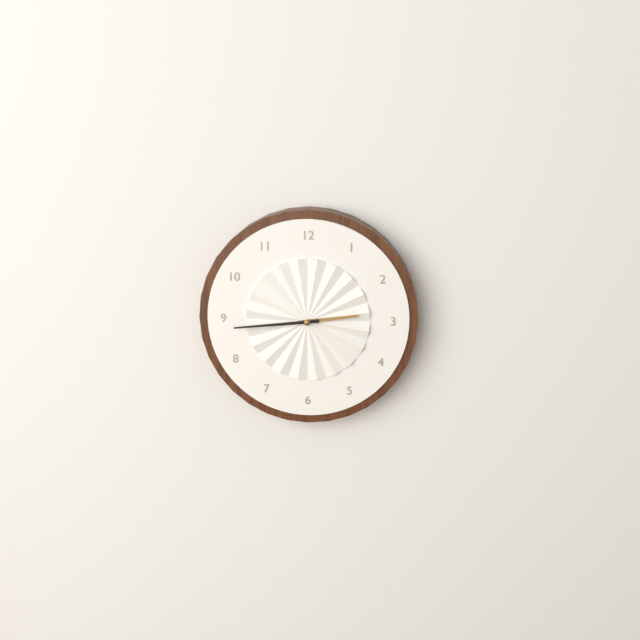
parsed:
2 h 44 min
